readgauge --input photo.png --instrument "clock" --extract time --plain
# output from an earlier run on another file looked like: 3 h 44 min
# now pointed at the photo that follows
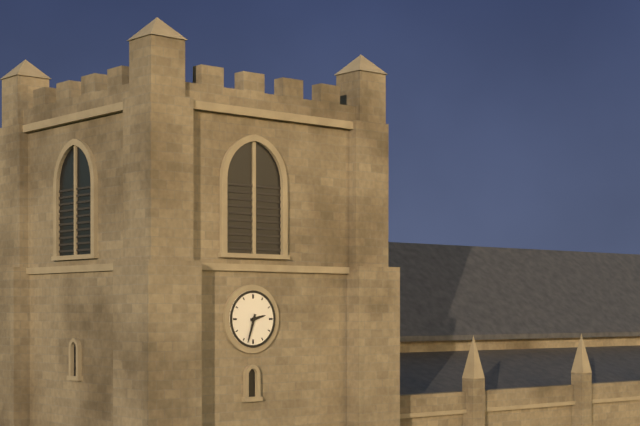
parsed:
2 h 33 min
